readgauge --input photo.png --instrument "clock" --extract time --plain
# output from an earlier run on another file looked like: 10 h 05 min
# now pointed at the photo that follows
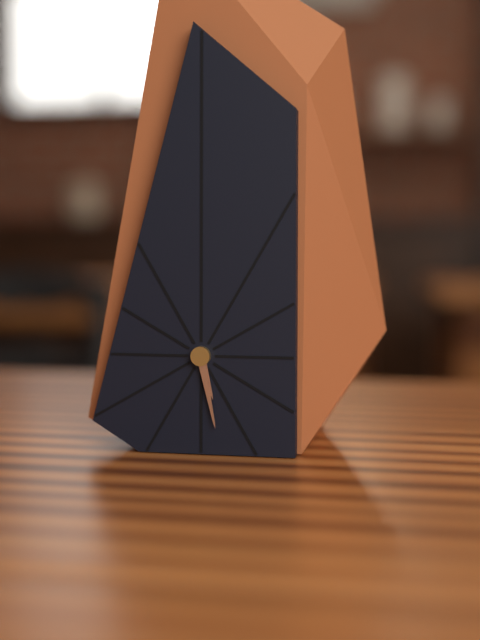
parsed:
5 h 28 min
